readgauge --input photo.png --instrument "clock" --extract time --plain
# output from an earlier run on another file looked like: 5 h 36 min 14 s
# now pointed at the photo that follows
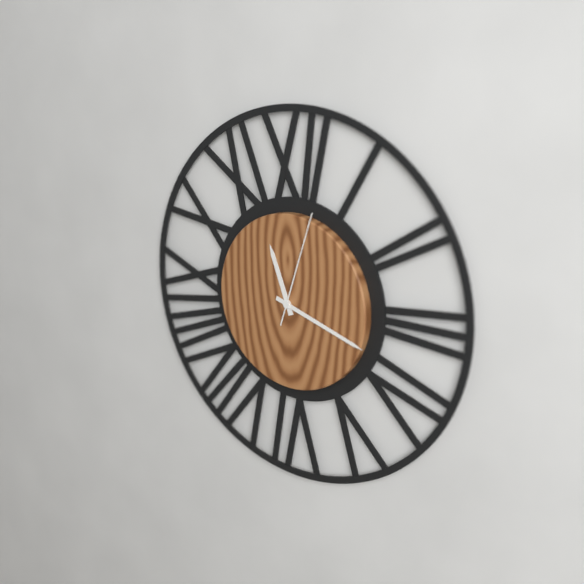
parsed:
11 h 18 min 03 s
